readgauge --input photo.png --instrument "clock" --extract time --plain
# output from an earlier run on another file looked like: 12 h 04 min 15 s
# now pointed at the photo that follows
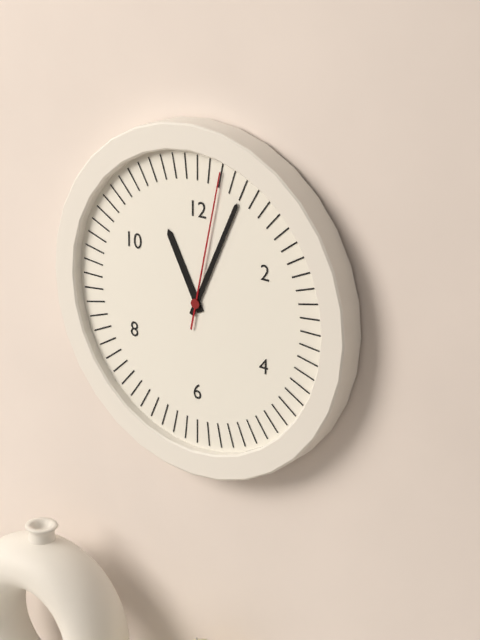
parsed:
11 h 04 min 02 s
